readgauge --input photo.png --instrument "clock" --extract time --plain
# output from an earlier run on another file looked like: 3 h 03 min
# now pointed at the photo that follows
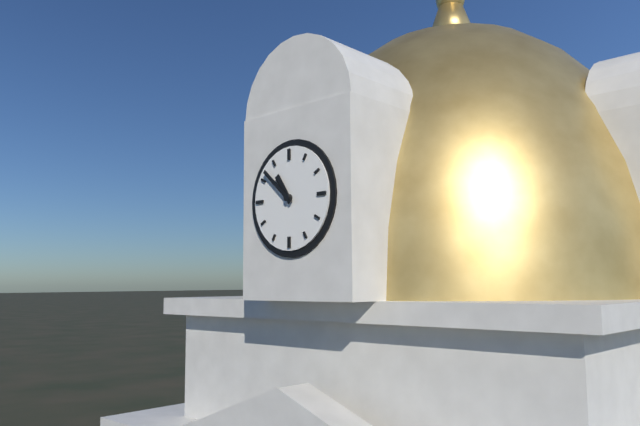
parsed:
10 h 52 min
